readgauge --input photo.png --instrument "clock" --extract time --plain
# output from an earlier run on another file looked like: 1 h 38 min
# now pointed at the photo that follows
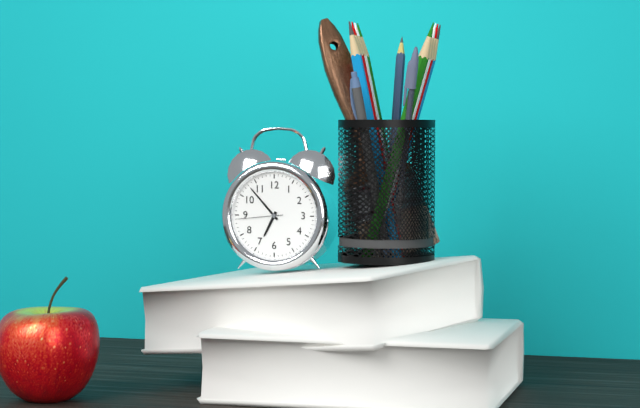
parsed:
6 h 53 min
